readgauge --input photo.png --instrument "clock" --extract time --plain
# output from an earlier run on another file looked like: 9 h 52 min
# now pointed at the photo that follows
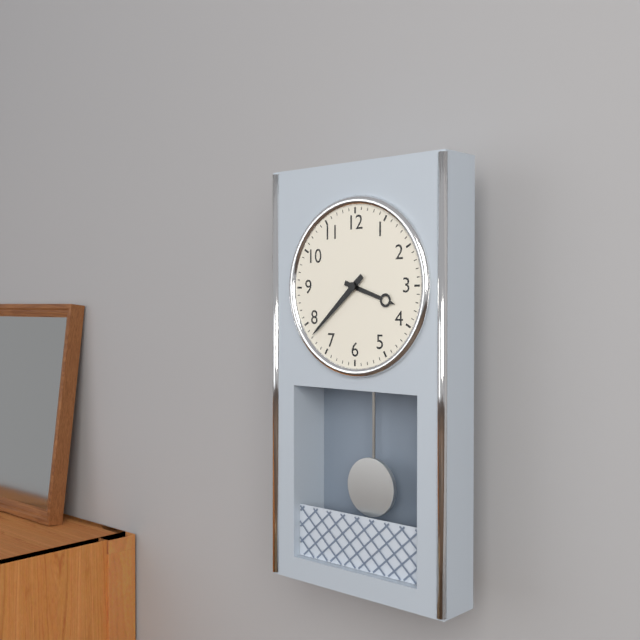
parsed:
3 h 38 min
